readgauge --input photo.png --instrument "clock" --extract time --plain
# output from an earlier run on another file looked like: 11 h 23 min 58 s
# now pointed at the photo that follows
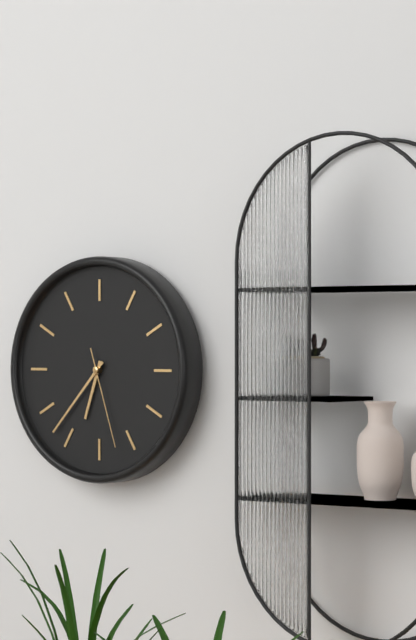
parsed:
6 h 37 min 27 s
